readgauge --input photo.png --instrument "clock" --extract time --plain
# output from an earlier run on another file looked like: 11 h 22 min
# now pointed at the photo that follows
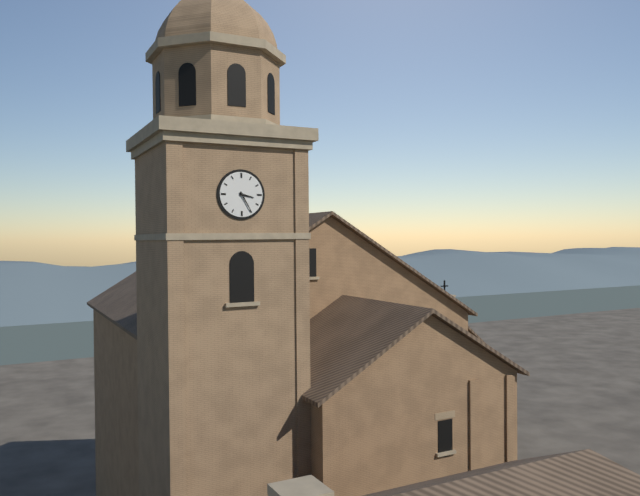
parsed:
3 h 25 min
